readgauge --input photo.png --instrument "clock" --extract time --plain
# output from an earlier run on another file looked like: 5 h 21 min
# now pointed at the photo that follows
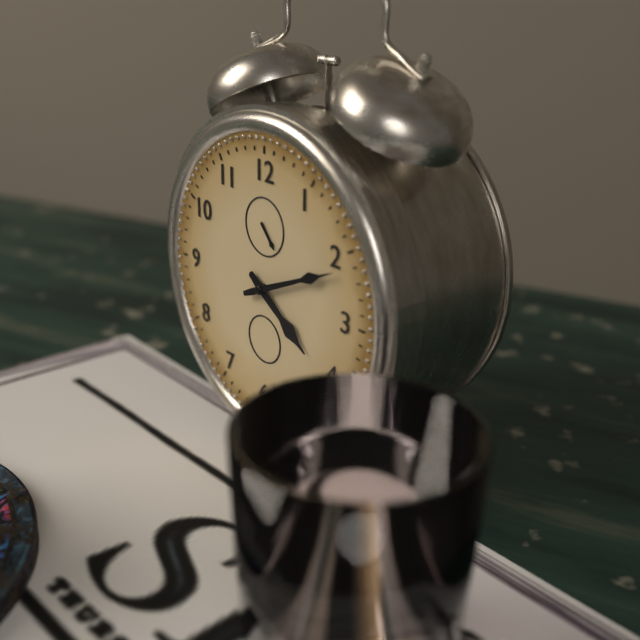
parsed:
4 h 11 min
